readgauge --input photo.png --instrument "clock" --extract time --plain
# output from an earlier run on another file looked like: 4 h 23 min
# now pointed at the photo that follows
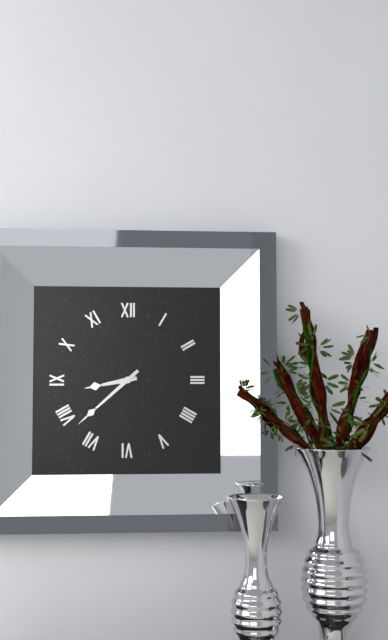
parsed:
8 h 38 min
